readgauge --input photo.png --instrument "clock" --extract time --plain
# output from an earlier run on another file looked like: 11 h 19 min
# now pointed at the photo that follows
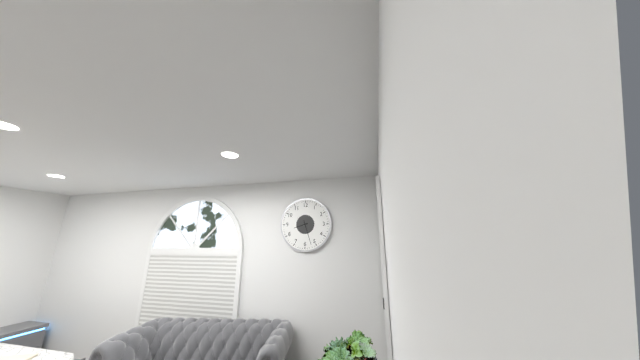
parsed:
8 h 27 min
